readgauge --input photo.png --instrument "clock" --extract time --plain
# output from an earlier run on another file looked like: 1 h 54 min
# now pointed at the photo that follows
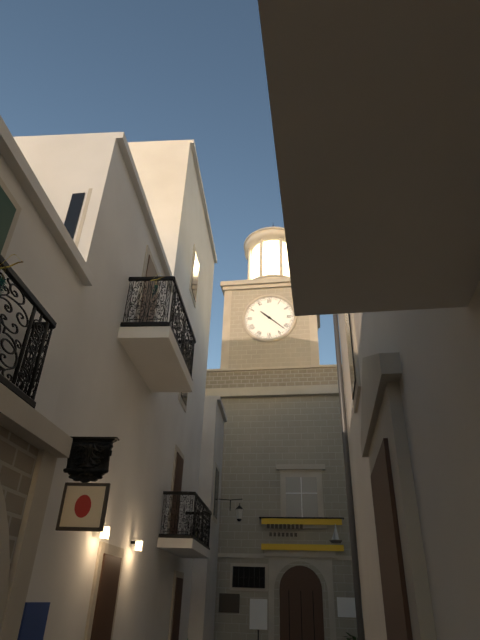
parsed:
10 h 22 min
